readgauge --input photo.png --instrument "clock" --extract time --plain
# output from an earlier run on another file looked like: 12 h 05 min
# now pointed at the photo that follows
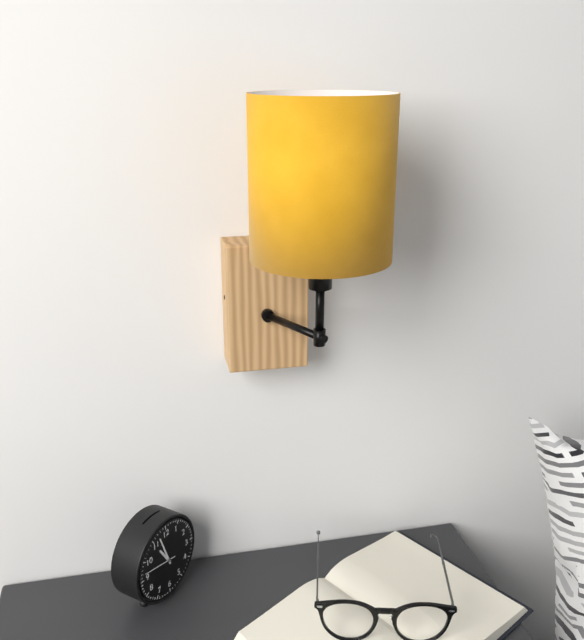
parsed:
10 h 57 min
